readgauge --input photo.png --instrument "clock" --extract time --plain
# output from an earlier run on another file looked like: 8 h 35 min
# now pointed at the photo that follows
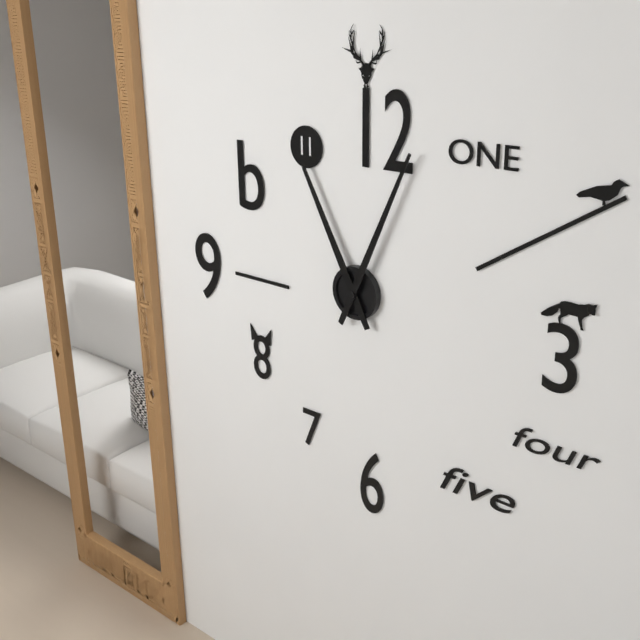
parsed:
11 h 04 min
